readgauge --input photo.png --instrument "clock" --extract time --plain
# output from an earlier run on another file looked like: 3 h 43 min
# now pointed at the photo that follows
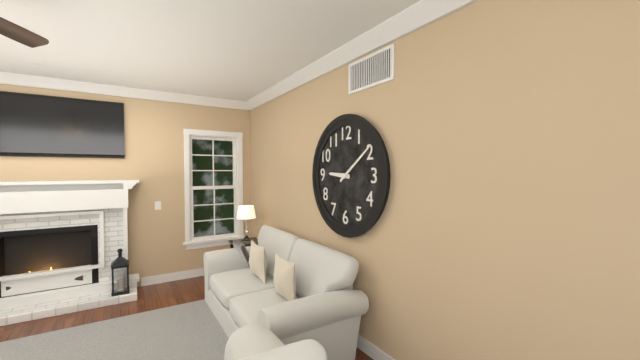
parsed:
9 h 09 min
